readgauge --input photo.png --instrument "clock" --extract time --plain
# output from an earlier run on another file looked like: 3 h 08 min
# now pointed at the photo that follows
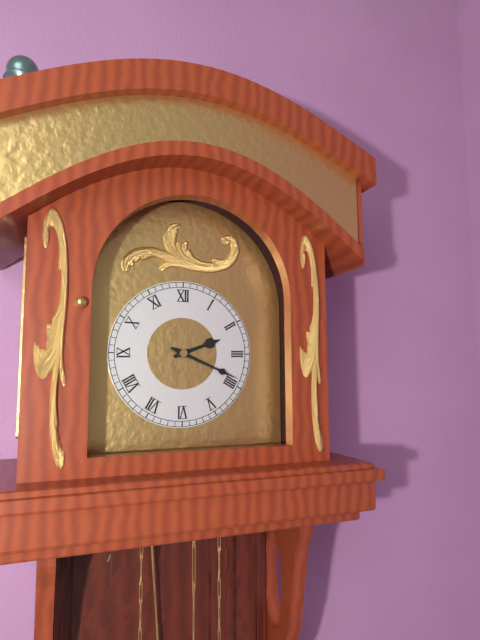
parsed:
2 h 19 min
